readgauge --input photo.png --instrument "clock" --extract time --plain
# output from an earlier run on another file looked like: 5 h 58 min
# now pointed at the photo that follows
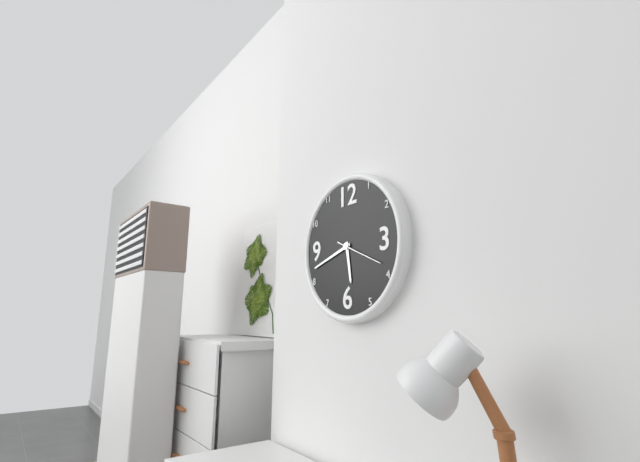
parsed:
5 h 42 min
